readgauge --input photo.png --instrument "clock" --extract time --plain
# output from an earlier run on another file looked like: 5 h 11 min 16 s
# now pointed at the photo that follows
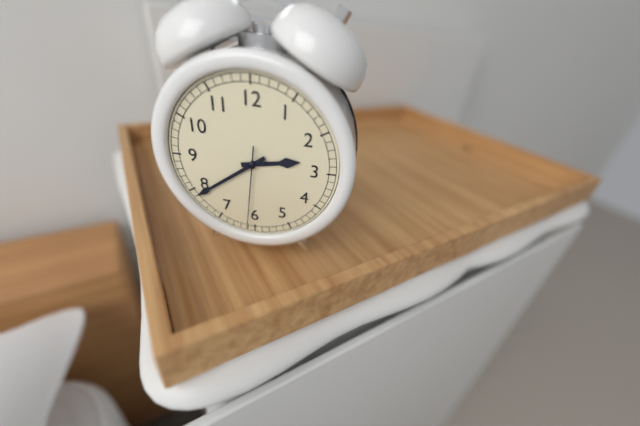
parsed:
2 h 39 min 31 s
